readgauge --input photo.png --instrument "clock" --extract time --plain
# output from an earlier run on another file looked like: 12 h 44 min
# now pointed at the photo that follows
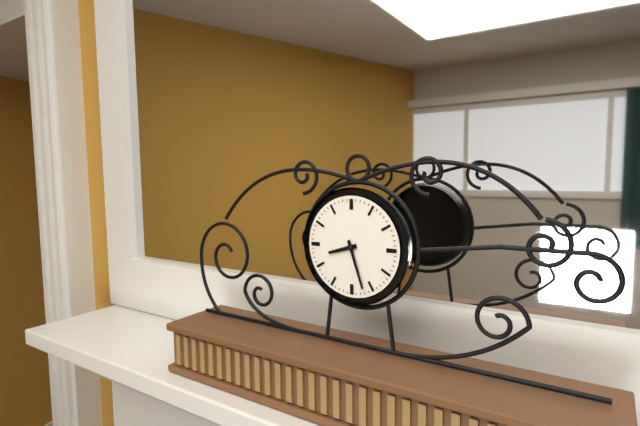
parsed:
8 h 27 min
